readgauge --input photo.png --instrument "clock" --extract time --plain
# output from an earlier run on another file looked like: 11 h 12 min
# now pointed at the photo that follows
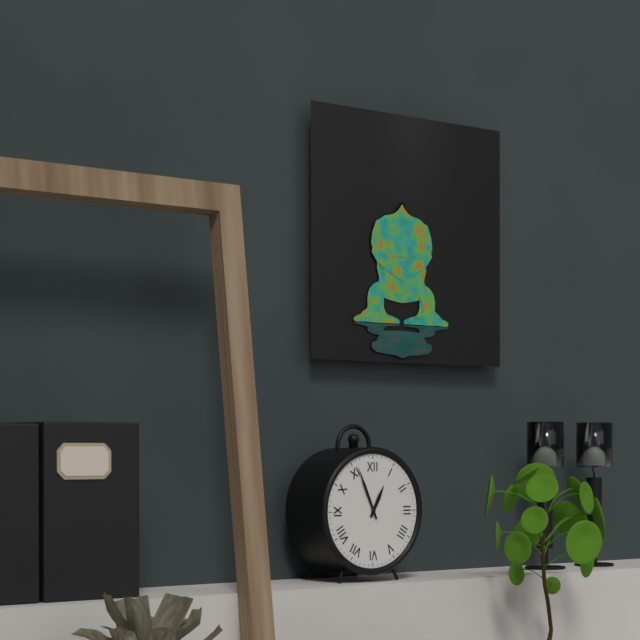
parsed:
12 h 56 min
